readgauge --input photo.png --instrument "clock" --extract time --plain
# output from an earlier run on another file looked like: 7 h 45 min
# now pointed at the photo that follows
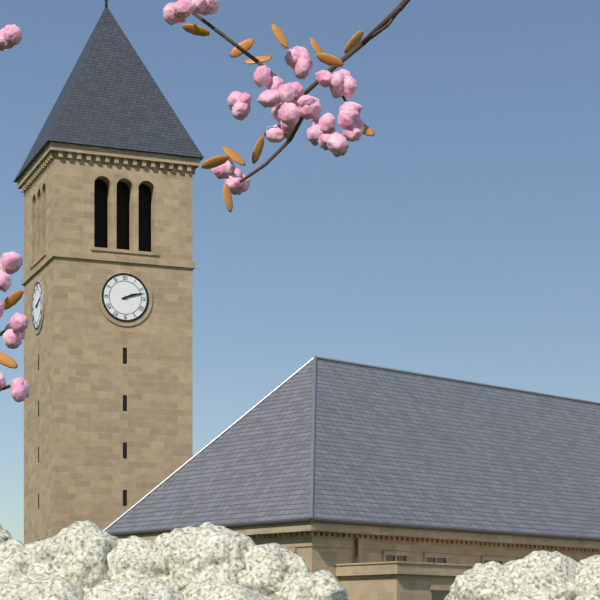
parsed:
2 h 12 min
